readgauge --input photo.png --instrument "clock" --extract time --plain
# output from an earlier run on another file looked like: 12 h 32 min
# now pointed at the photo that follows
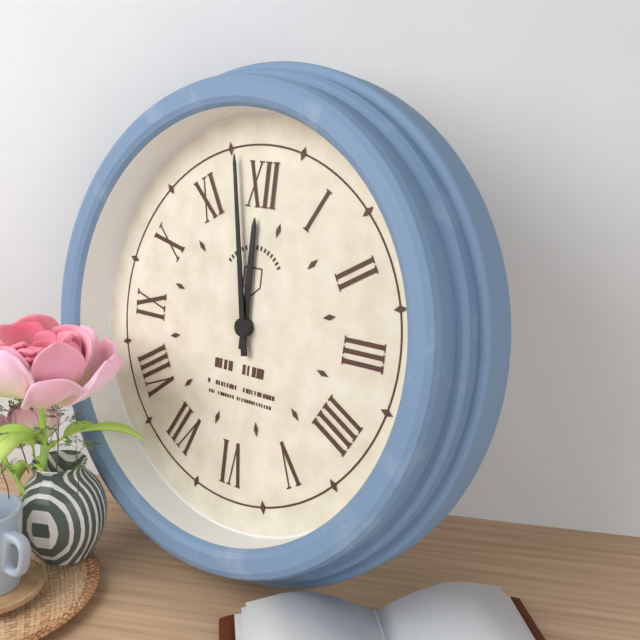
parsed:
11 h 58 min
